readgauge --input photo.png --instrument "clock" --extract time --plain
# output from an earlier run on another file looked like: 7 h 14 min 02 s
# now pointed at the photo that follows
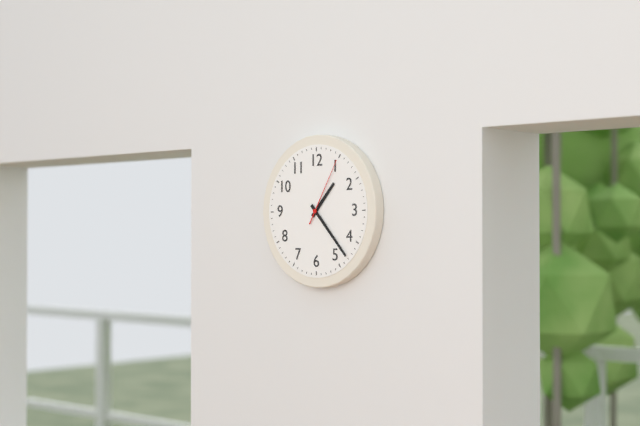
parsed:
1 h 23 min 05 s
